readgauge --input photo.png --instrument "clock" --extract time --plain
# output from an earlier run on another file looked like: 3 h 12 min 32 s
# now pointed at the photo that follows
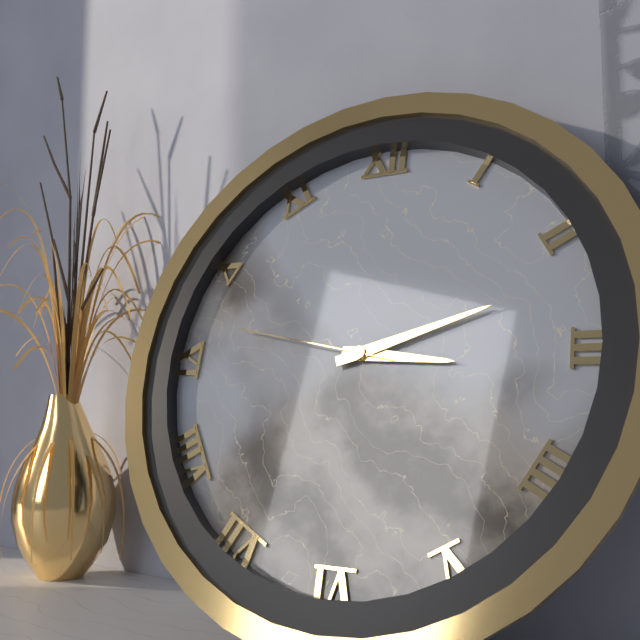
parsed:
3 h 12 min 47 s
